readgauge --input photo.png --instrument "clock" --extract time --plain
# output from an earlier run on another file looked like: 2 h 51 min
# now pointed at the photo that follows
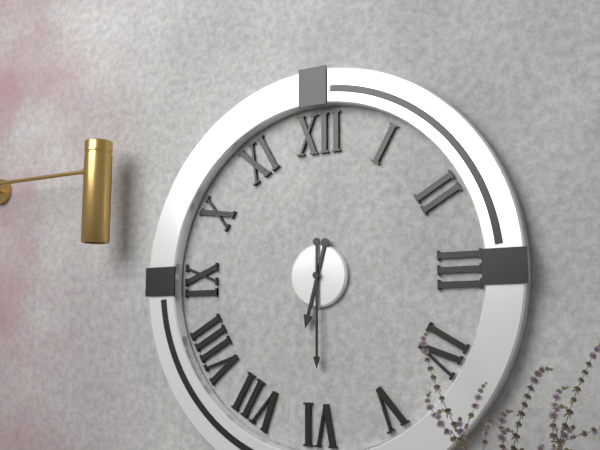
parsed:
6 h 30 min
